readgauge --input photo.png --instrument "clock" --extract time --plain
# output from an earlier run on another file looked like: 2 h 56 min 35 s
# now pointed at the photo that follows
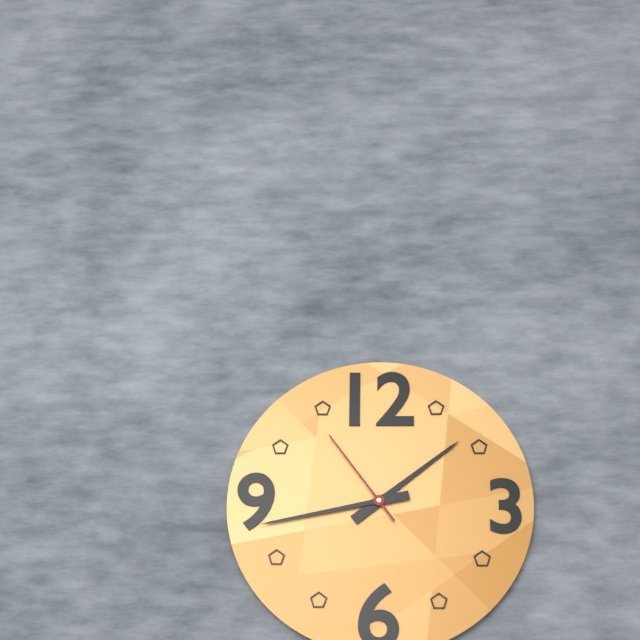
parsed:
1 h 43 min 54 s
